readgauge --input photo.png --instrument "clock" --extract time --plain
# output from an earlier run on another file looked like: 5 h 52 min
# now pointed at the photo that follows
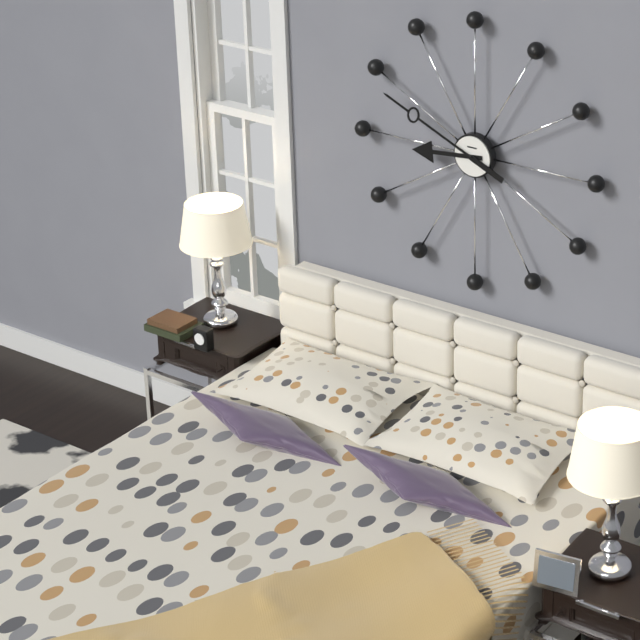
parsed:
8 h 49 min
